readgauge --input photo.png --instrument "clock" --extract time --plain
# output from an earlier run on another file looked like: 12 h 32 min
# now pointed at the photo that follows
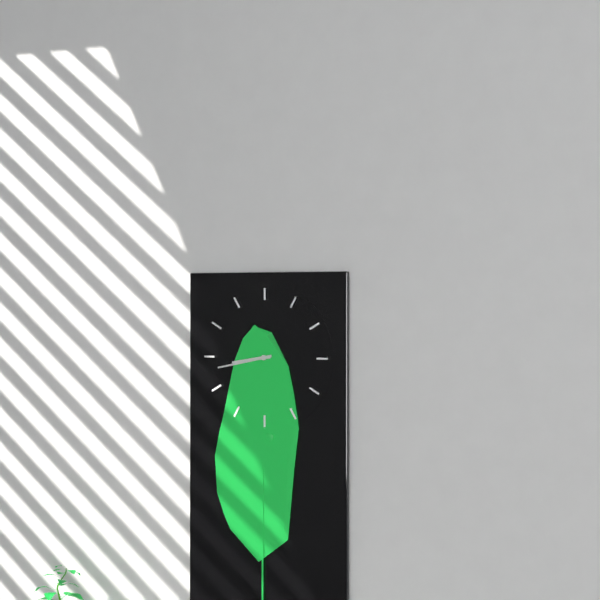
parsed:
8 h 43 min
